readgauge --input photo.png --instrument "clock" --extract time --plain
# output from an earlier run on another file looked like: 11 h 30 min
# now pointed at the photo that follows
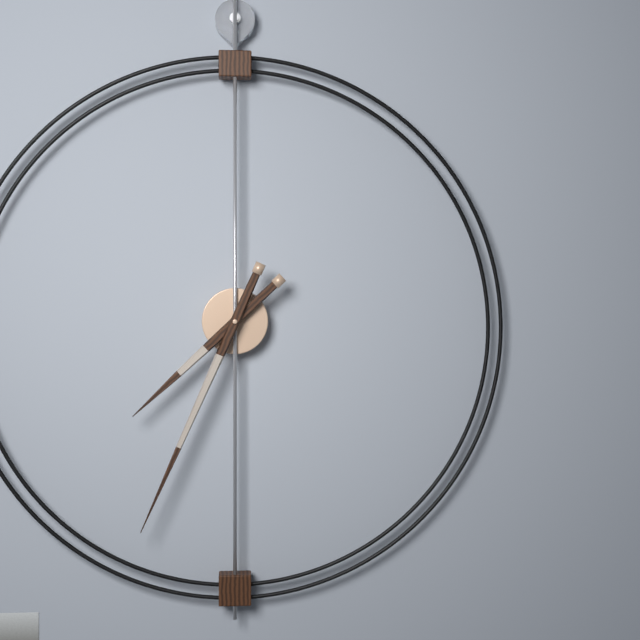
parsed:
7 h 34 min
